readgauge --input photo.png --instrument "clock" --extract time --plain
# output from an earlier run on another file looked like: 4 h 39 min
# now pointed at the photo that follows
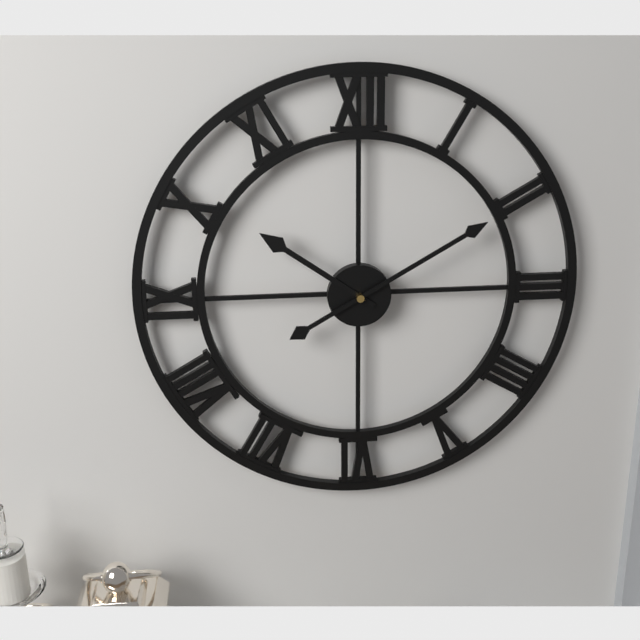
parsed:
10 h 10 min
